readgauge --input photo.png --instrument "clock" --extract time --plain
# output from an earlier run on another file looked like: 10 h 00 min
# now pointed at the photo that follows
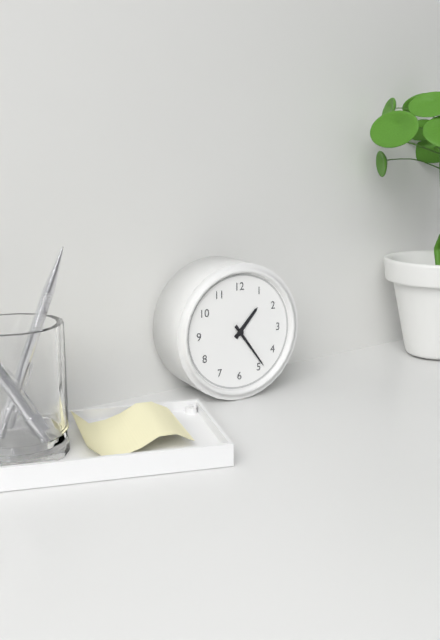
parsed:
1 h 24 min
